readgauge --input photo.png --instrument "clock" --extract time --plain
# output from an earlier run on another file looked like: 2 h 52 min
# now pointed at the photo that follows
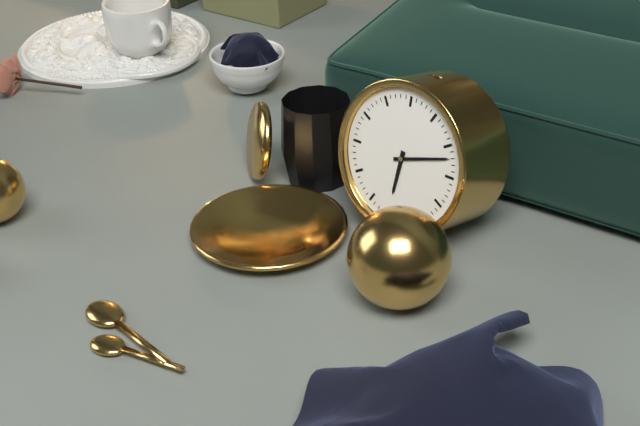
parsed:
6 h 12 min
